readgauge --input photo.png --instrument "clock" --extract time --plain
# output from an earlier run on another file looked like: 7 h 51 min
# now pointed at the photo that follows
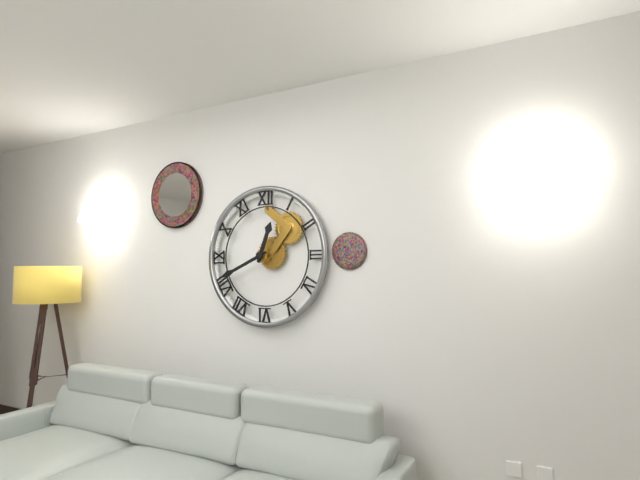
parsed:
12 h 41 min
